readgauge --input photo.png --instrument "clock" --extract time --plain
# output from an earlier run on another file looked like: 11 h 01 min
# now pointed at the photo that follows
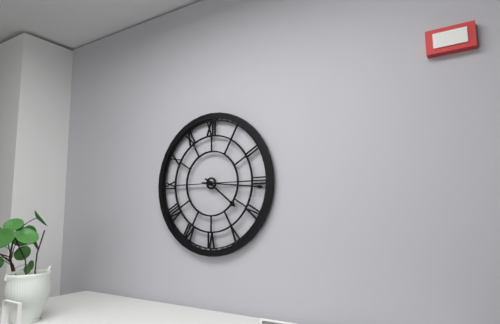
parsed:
4 h 16 min
